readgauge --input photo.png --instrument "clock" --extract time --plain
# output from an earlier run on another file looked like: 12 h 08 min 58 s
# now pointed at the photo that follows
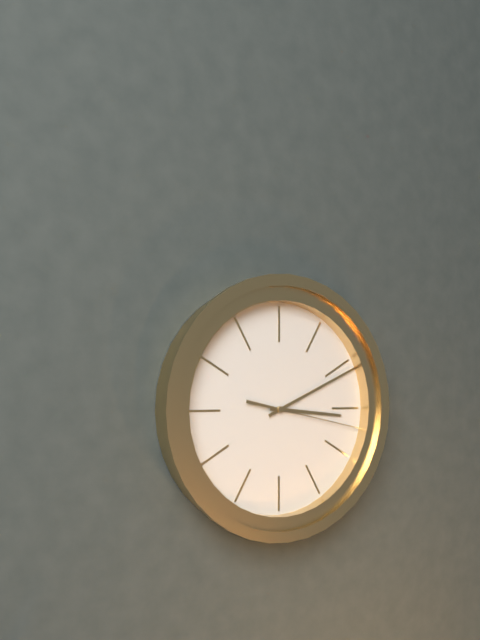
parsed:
3 h 11 min 17 s
